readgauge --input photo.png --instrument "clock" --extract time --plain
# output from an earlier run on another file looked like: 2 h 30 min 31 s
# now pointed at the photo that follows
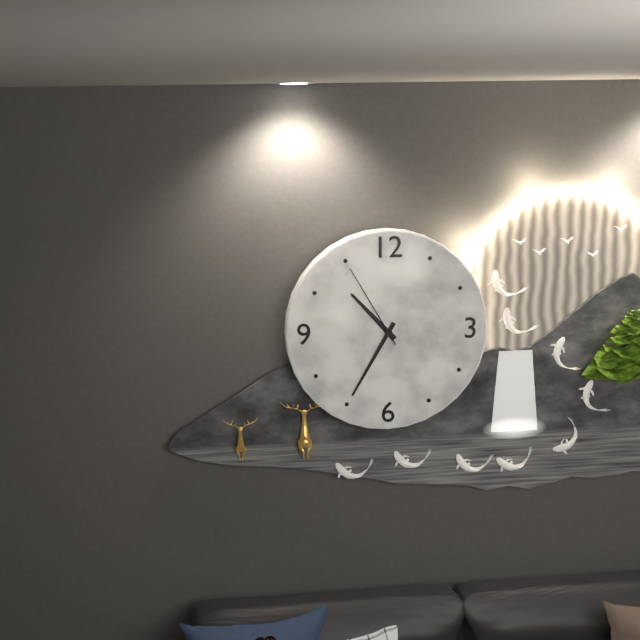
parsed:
10 h 35 min 55 s
